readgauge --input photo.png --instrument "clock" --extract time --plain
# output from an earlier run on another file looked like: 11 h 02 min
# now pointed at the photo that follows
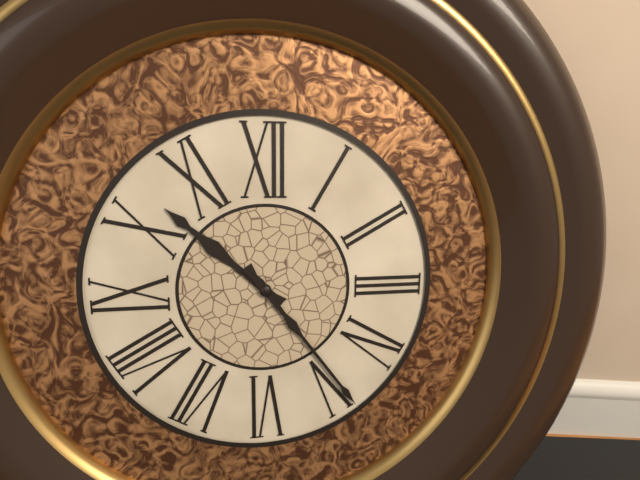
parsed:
10 h 24 min
